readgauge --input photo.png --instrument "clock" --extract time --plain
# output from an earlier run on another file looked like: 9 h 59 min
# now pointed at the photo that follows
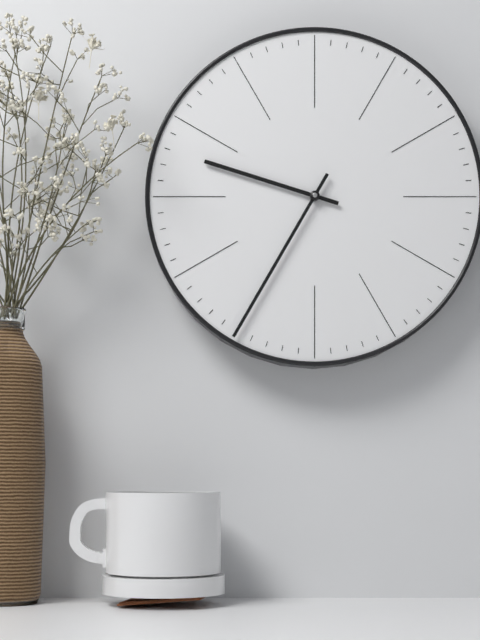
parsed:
9 h 35 min
